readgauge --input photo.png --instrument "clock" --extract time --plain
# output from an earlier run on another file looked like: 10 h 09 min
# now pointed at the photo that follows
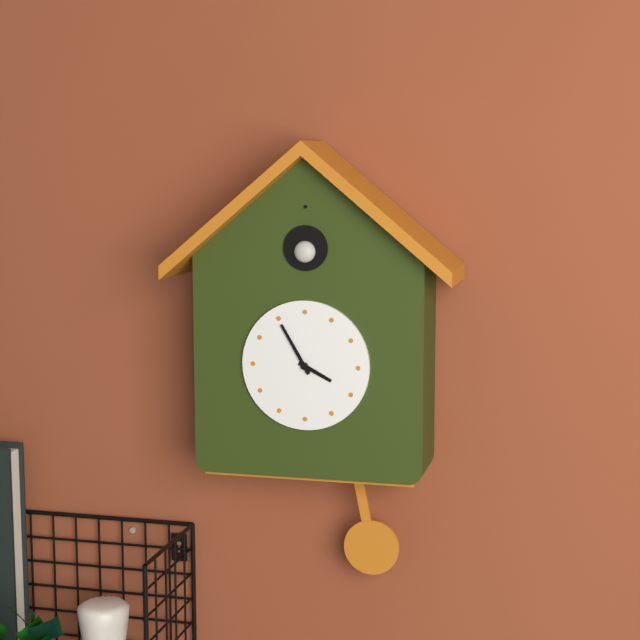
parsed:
3 h 55 min
